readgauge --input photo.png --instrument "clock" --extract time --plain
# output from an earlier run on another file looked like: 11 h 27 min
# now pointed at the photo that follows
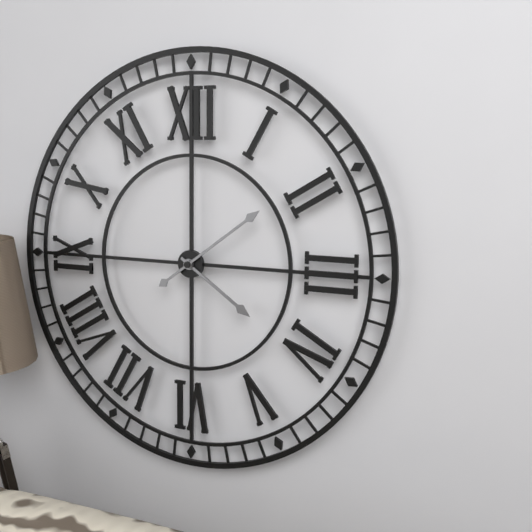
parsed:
4 h 09 min
